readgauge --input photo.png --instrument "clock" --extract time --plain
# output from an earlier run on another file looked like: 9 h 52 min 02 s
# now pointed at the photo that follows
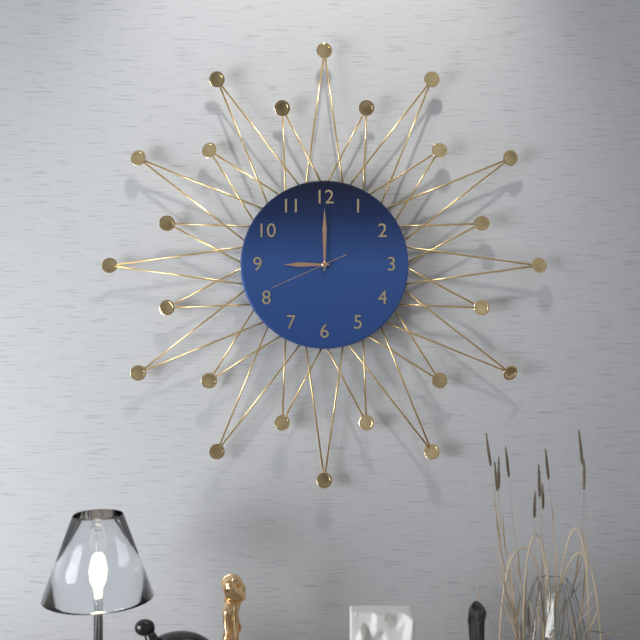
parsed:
9 h 00 min 41 s
